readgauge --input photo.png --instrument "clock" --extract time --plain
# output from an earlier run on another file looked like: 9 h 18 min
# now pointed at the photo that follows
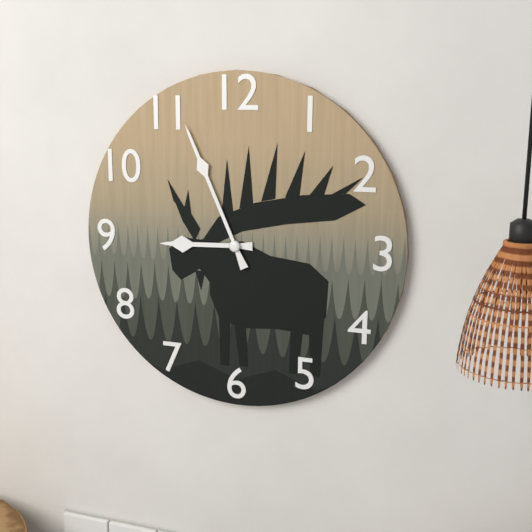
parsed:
8 h 56 min
